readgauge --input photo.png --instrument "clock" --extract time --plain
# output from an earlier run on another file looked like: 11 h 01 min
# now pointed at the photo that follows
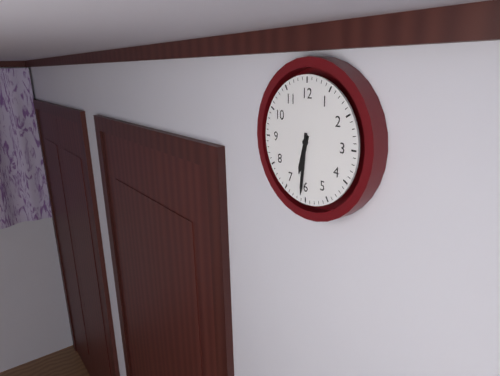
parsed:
6 h 31 min
